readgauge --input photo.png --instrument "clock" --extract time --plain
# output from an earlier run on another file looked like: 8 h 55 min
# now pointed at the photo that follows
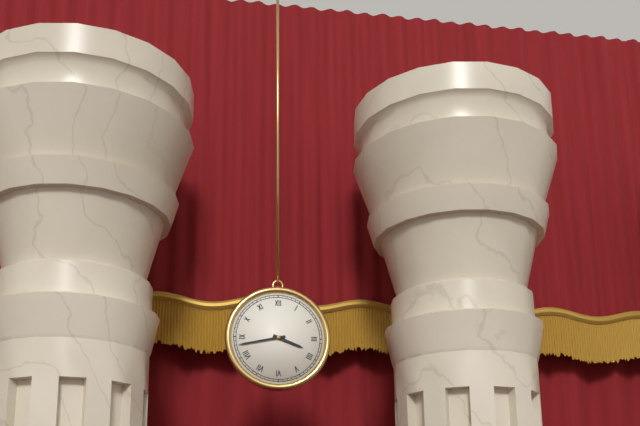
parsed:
3 h 43 min
